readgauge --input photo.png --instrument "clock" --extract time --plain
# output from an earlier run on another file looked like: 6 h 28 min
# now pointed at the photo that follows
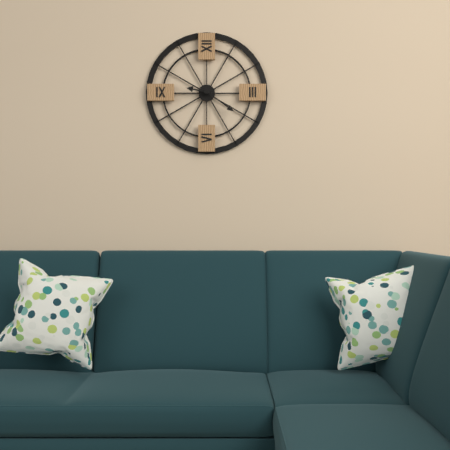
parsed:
9 h 21 min
